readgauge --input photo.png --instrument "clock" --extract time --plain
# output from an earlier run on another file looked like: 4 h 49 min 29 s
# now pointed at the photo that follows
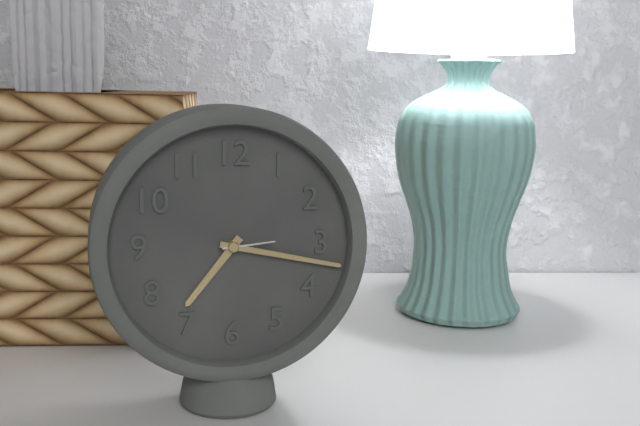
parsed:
7 h 17 min 14 s
